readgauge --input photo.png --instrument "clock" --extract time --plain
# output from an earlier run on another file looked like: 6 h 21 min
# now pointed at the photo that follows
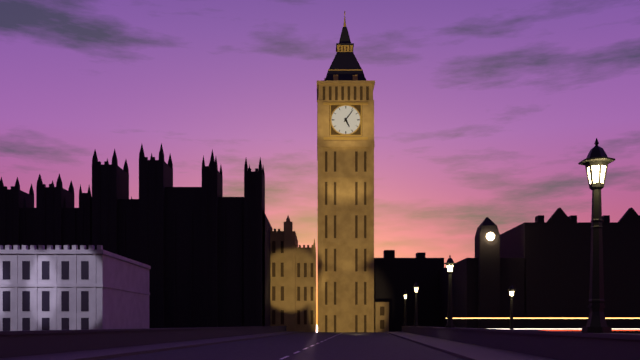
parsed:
5 h 06 min
